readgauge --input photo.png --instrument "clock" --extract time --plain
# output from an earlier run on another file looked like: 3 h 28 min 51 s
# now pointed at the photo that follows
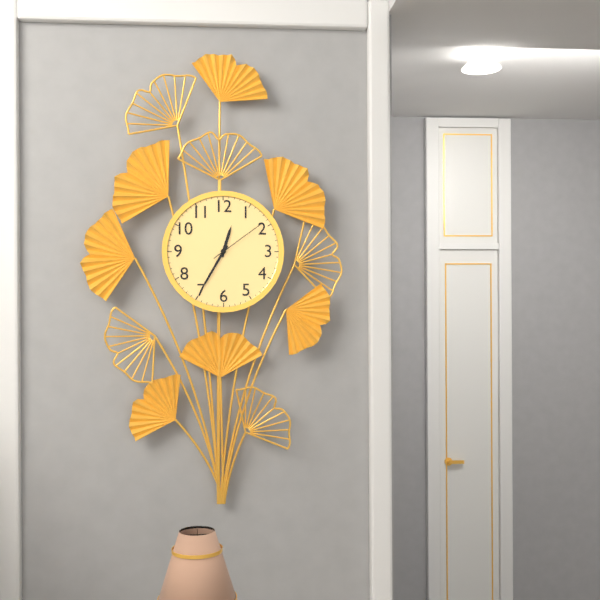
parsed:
12 h 35 min 09 s
